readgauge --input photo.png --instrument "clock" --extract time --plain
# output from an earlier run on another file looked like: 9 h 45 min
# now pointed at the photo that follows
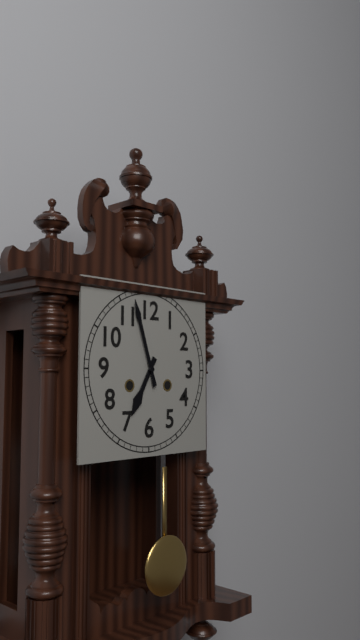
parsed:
6 h 57 min
